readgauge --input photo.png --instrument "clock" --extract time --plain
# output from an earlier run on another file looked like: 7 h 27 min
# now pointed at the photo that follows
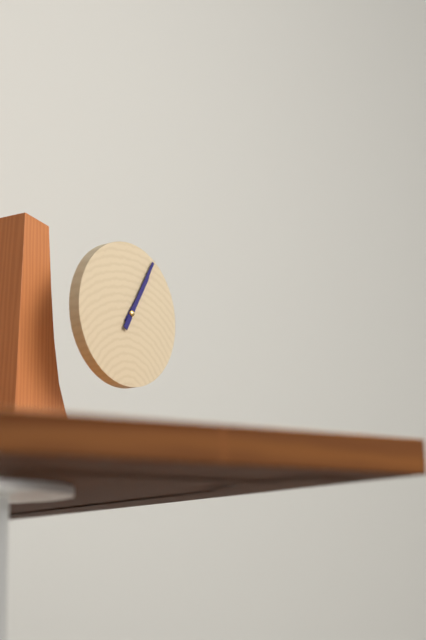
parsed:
1 h 05 min
